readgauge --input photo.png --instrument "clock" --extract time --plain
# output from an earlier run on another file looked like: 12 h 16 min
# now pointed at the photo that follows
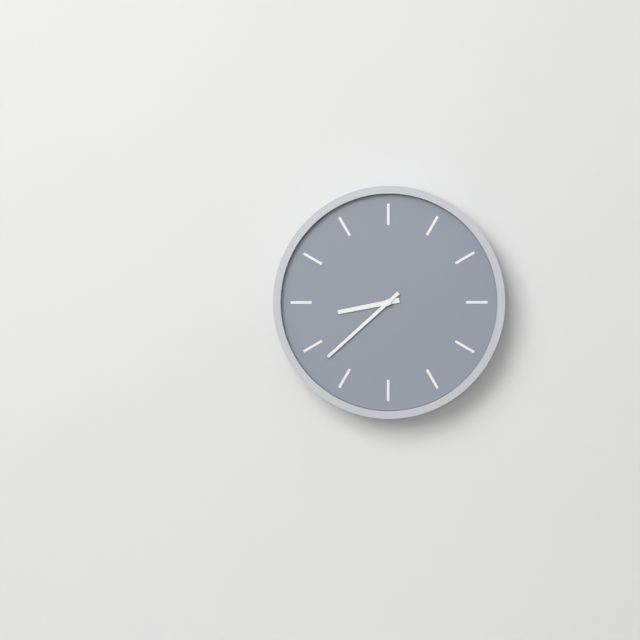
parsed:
8 h 38 min
